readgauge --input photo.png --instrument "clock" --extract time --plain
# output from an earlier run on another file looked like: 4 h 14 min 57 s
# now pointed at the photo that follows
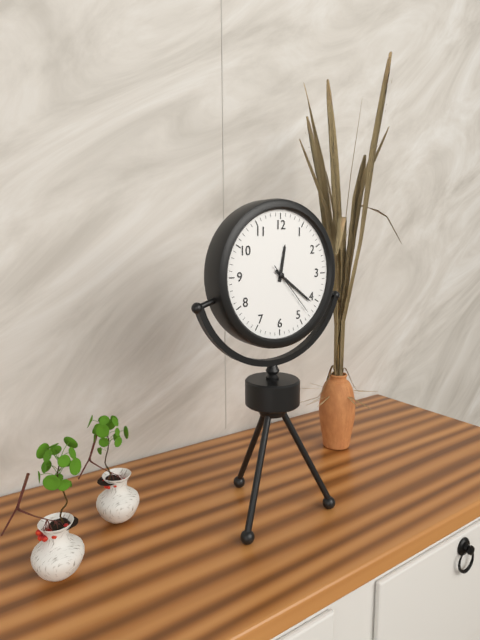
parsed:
12 h 21 min 23 s
